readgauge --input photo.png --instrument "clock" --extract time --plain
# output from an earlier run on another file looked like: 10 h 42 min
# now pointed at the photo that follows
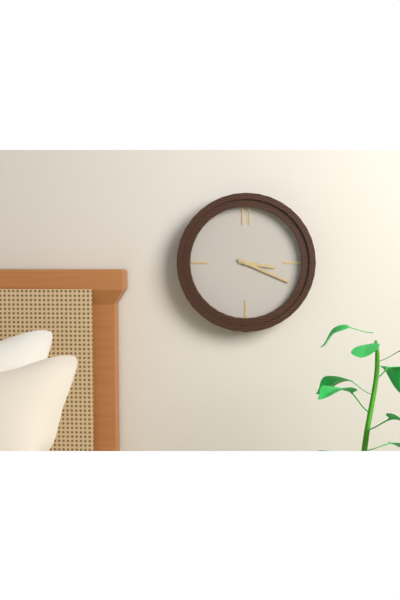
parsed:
3 h 19 min
